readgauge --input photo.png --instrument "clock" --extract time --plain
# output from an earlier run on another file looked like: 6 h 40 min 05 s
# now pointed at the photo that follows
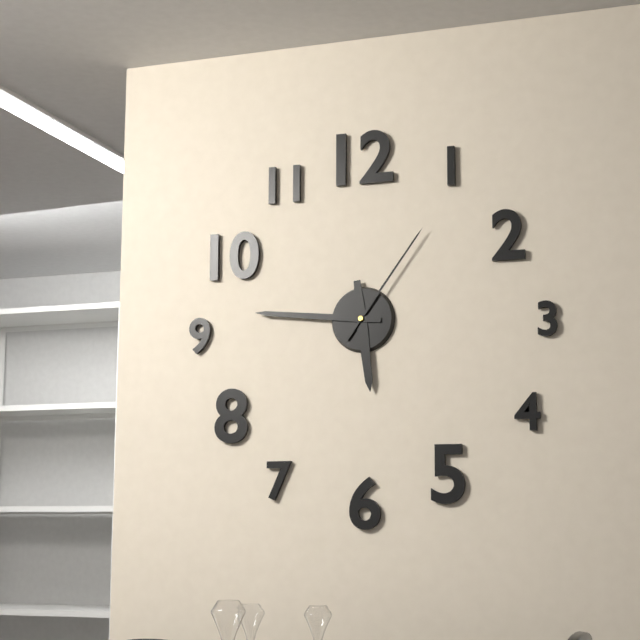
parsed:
5 h 46 min 06 s
